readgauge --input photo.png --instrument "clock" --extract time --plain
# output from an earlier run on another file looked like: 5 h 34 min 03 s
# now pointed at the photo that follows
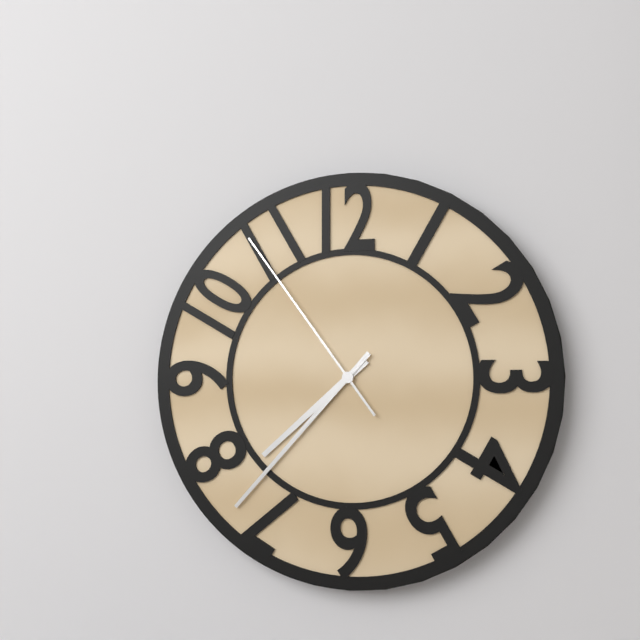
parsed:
7 h 37 min 54 s
